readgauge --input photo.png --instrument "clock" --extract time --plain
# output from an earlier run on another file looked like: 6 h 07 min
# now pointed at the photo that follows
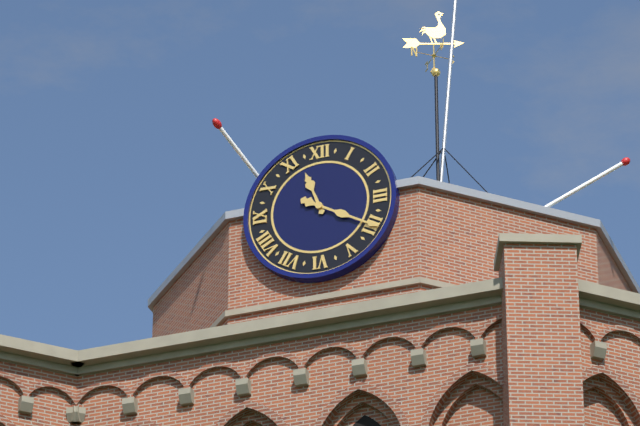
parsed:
11 h 20 min
